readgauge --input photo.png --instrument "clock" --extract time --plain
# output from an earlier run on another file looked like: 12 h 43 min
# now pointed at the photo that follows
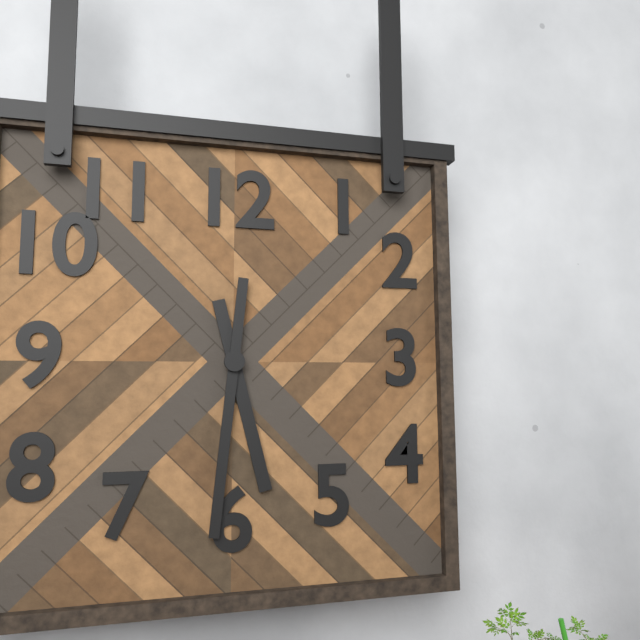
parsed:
5 h 31 min
